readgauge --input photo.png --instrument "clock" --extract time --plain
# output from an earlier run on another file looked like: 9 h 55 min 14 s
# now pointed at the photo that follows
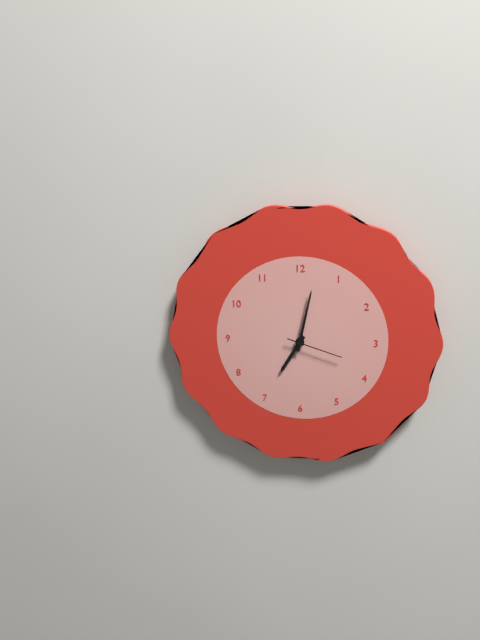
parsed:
7 h 02 min 18 s
